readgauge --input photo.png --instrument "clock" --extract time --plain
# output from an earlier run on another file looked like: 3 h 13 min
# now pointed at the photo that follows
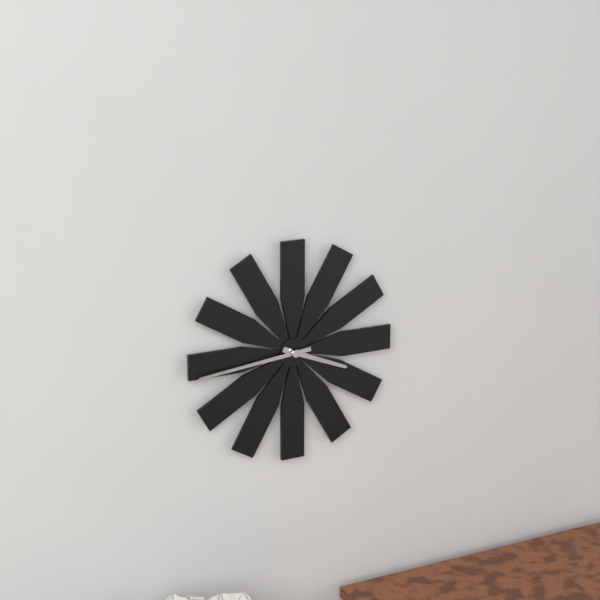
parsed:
3 h 44 min
